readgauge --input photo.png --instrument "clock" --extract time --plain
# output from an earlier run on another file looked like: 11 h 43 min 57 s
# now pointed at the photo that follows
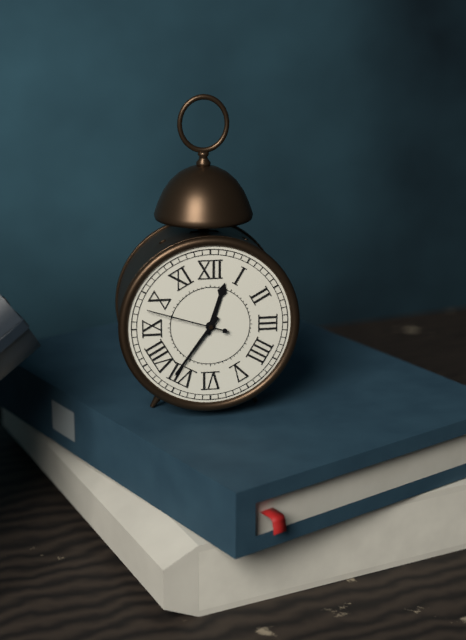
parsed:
12 h 36 min 48 s
